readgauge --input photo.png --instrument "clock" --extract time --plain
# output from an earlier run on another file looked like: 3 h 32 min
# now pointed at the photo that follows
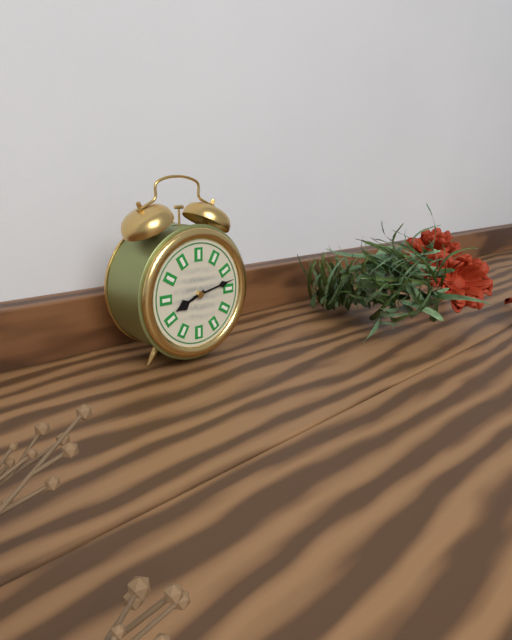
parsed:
8 h 13 min
